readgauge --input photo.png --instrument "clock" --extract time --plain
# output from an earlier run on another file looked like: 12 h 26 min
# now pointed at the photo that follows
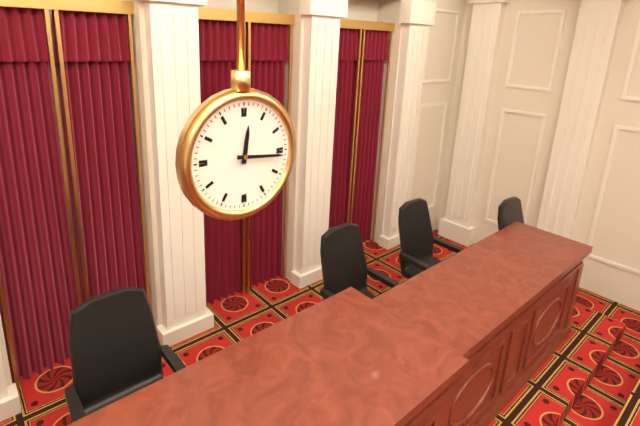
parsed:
12 h 16 min
